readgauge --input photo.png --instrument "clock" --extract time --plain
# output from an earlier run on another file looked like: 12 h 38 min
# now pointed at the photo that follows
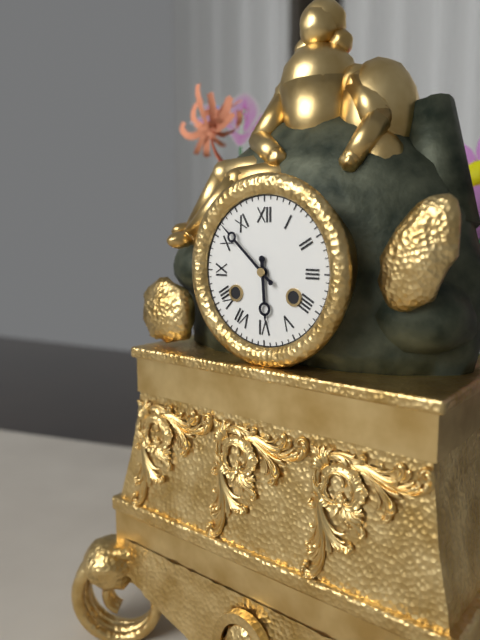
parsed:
5 h 52 min
